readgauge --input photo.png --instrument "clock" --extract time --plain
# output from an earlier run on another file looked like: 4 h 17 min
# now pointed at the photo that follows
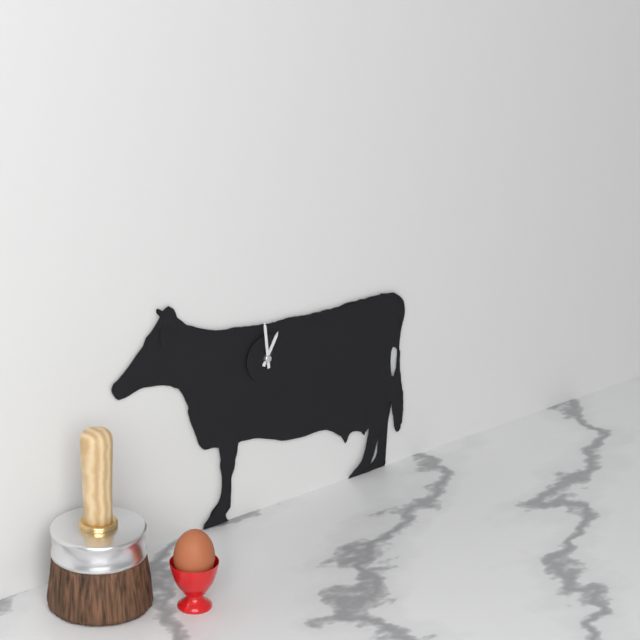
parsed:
12 h 59 min
